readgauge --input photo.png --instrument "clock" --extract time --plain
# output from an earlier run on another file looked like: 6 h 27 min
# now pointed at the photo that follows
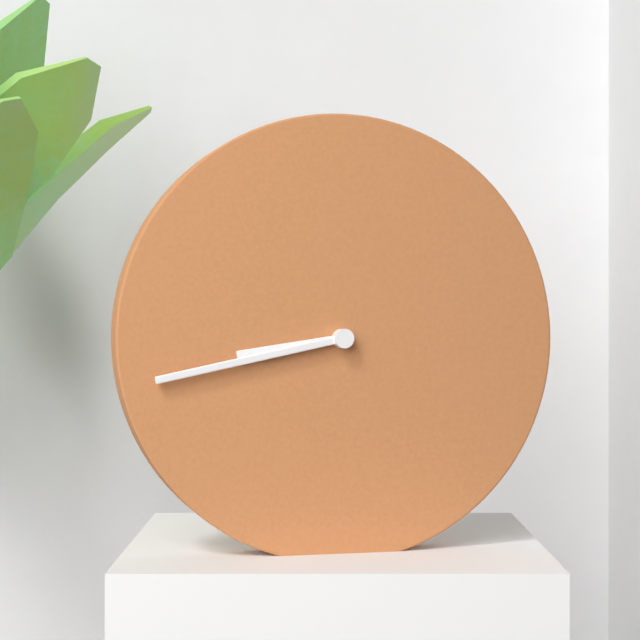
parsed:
8 h 43 min
